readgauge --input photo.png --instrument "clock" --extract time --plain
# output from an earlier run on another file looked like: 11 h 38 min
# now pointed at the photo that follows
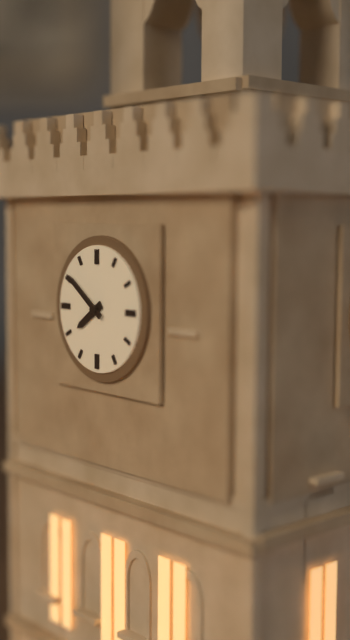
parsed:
7 h 51 min
